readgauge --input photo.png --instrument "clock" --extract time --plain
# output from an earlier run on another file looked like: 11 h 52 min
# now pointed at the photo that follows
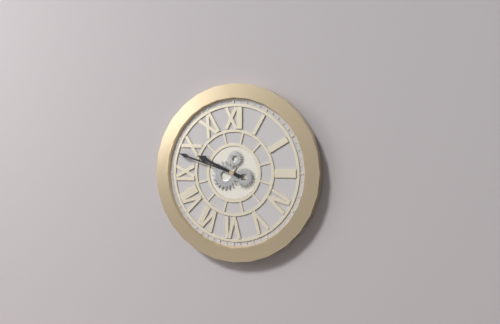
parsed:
9 h 48 min
